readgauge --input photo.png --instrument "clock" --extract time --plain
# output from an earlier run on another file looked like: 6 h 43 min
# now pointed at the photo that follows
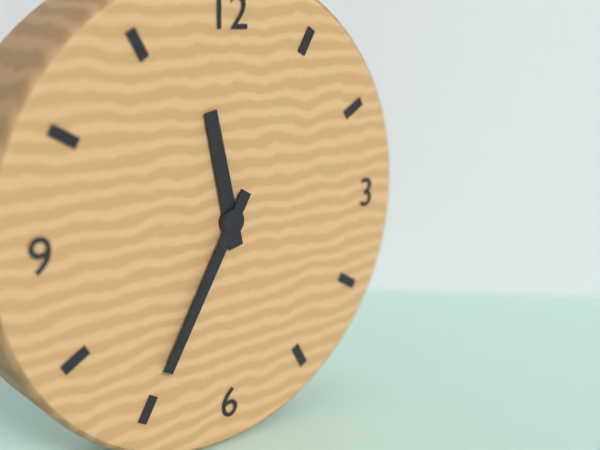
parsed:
11 h 35 min
